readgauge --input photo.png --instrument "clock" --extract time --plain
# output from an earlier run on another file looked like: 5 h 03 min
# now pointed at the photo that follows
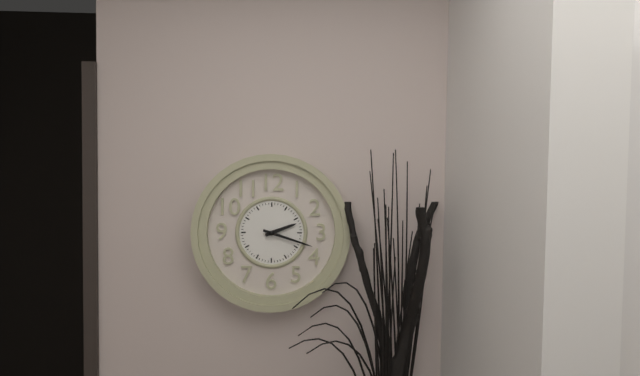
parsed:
2 h 18 min
